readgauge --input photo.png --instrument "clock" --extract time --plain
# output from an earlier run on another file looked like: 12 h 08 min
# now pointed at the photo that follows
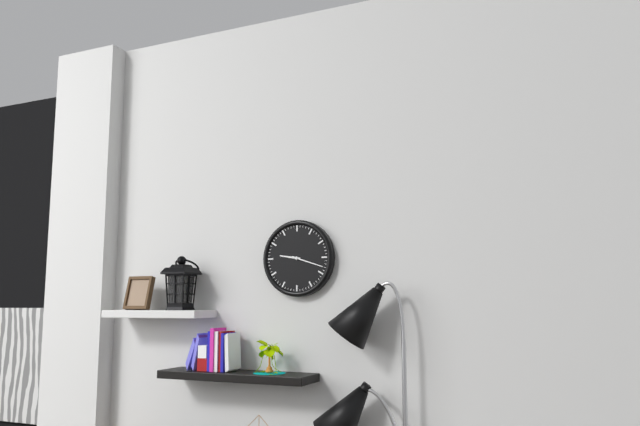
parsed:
9 h 18 min
